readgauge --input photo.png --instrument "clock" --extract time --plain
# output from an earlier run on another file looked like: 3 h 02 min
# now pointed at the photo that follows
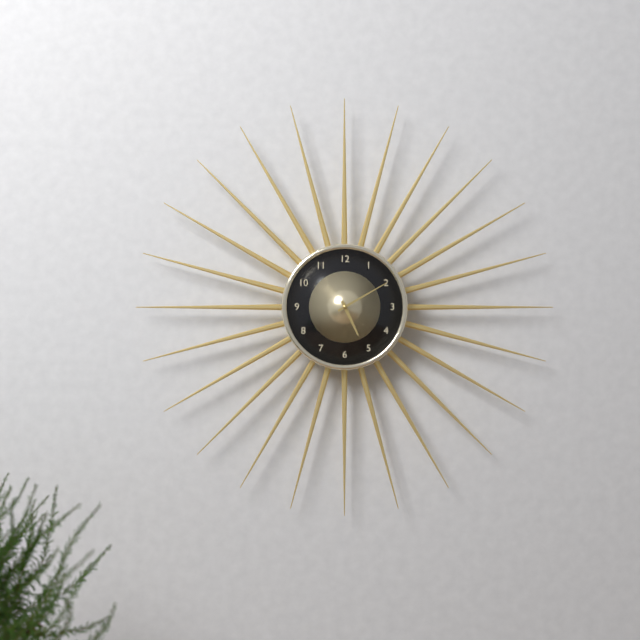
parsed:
5 h 10 min
